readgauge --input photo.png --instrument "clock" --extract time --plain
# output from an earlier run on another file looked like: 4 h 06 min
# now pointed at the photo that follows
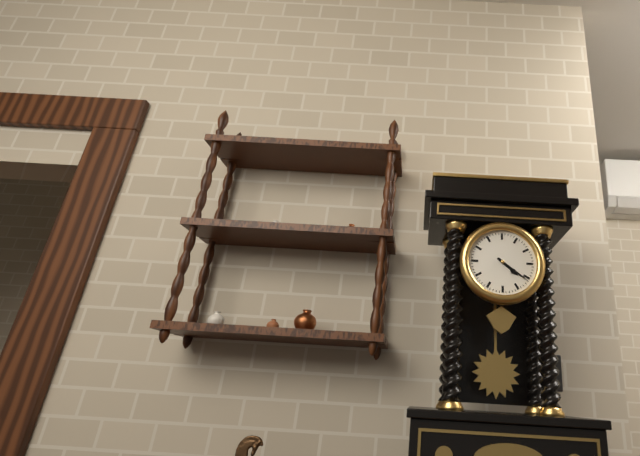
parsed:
4 h 21 min
